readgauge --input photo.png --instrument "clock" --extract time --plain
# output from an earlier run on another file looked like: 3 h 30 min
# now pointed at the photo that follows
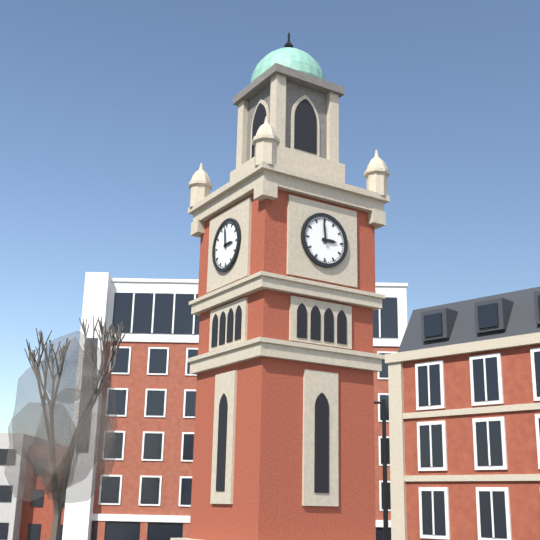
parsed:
2 h 59 min
